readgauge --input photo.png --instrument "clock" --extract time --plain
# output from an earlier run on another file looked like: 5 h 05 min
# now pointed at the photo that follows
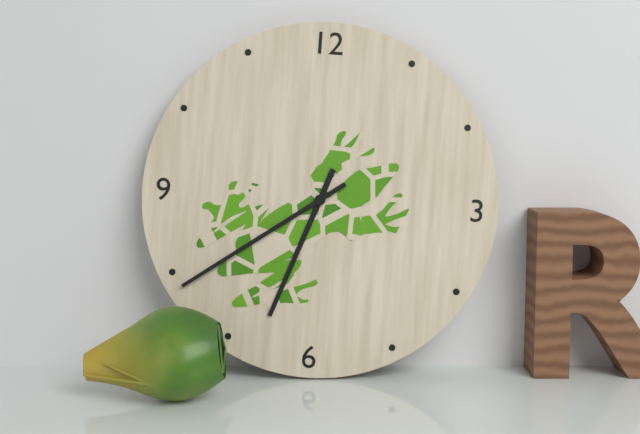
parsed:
6 h 39 min
